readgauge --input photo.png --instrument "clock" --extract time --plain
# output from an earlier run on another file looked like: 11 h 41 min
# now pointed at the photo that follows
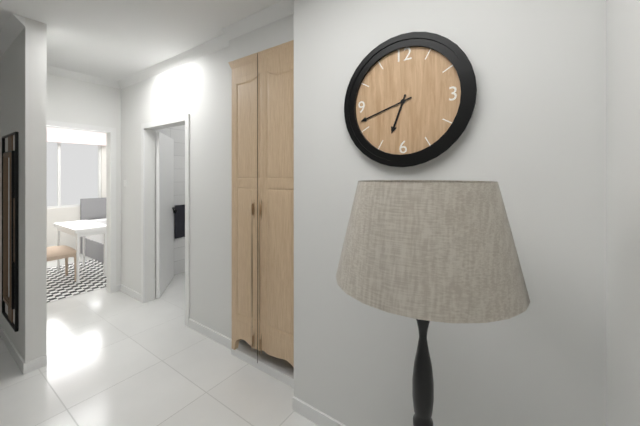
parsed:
6 h 42 min
